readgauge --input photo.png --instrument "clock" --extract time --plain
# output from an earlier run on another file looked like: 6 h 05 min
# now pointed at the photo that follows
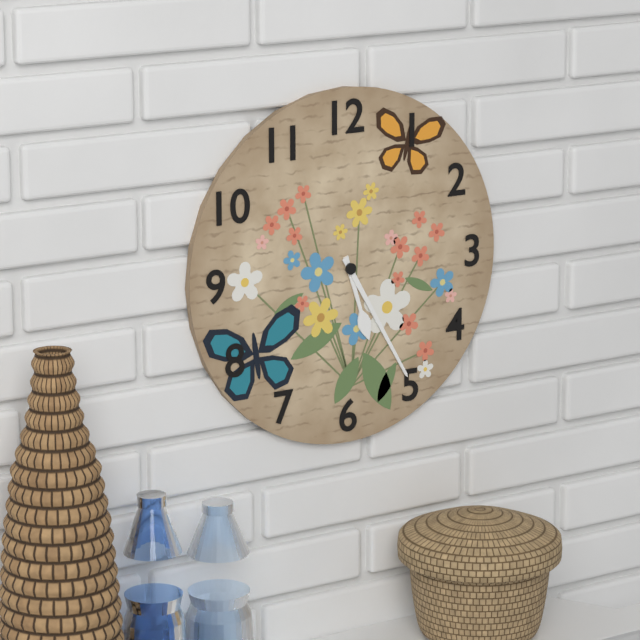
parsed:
5 h 25 min
